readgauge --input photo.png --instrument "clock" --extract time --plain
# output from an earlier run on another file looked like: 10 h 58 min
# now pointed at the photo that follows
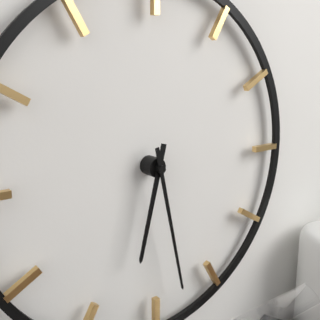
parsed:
6 h 28 min
